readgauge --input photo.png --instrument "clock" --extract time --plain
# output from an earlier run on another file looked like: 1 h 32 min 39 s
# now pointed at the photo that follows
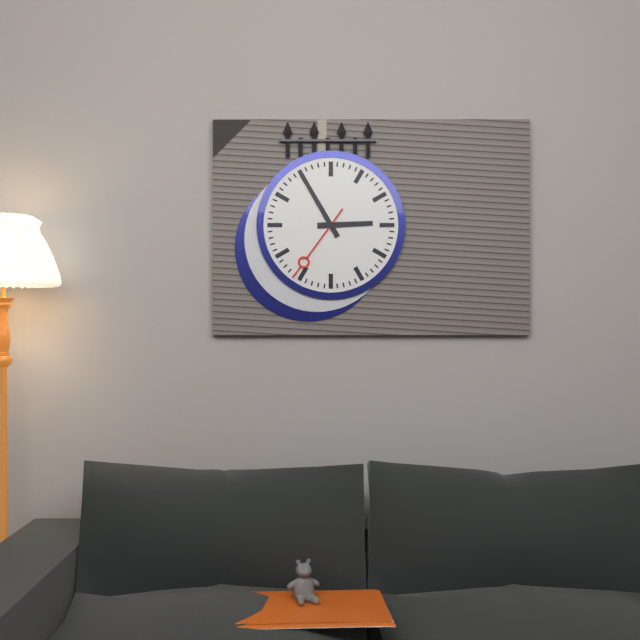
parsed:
2 h 55 min 36 s
